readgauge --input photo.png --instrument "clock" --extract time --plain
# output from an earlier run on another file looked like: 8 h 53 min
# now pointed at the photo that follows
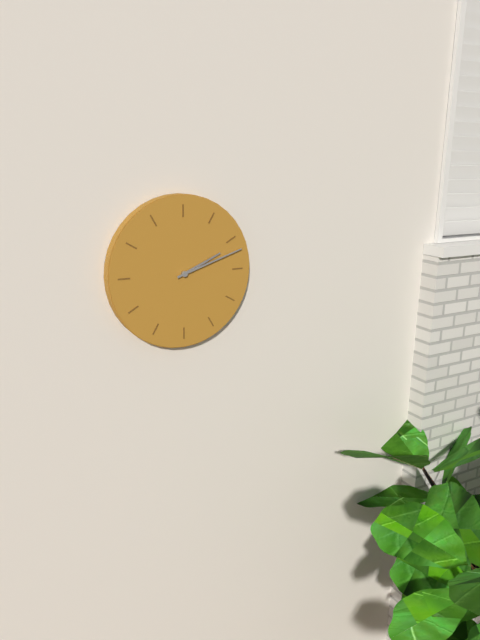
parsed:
2 h 12 min
